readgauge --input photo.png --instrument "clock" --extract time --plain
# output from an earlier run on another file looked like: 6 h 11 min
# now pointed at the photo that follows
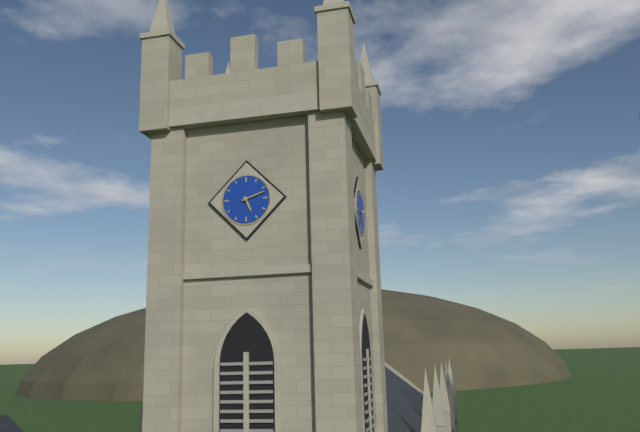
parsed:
5 h 12 min
